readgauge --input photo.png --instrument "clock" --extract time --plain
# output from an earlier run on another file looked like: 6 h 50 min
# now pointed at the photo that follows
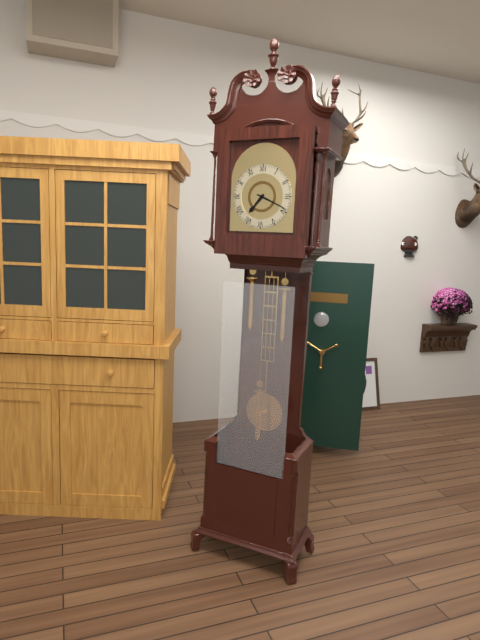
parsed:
7 h 19 min
